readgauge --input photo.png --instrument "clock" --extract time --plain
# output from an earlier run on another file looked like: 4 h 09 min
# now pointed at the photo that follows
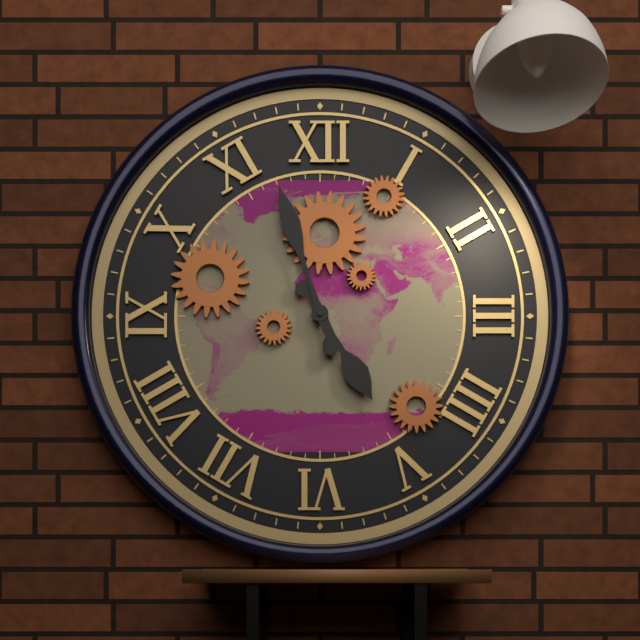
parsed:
4 h 57 min
